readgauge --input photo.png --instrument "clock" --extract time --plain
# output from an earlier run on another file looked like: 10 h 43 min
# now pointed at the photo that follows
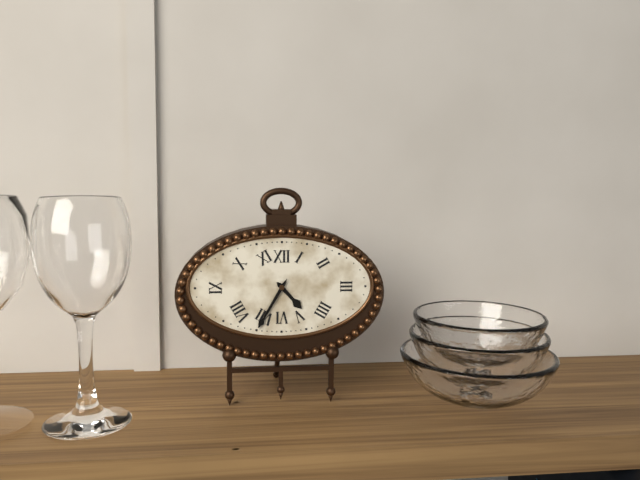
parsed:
4 h 35 min
